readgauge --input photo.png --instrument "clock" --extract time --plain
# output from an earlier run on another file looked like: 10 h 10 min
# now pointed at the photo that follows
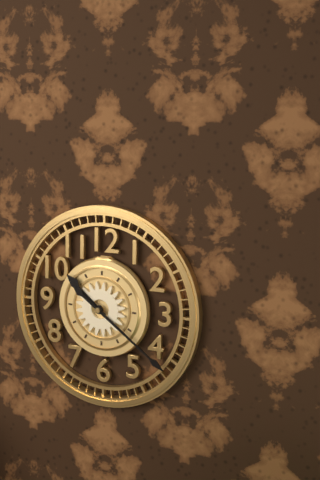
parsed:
10 h 21 min
